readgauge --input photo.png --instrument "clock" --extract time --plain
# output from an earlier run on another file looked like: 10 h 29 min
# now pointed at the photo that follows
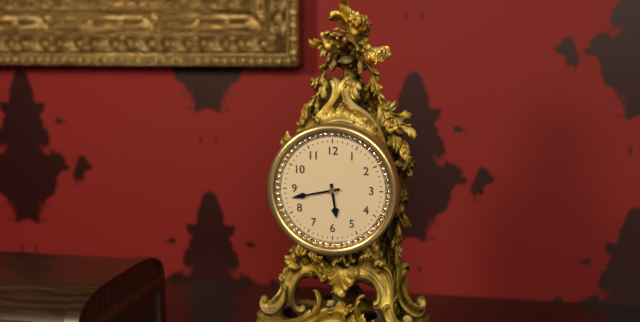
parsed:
5 h 43 min
